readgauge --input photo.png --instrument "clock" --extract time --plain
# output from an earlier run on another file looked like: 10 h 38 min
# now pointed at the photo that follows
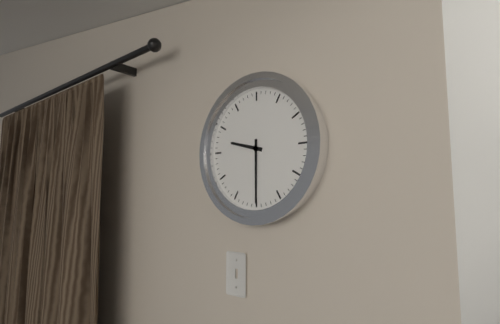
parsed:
9 h 30 min
